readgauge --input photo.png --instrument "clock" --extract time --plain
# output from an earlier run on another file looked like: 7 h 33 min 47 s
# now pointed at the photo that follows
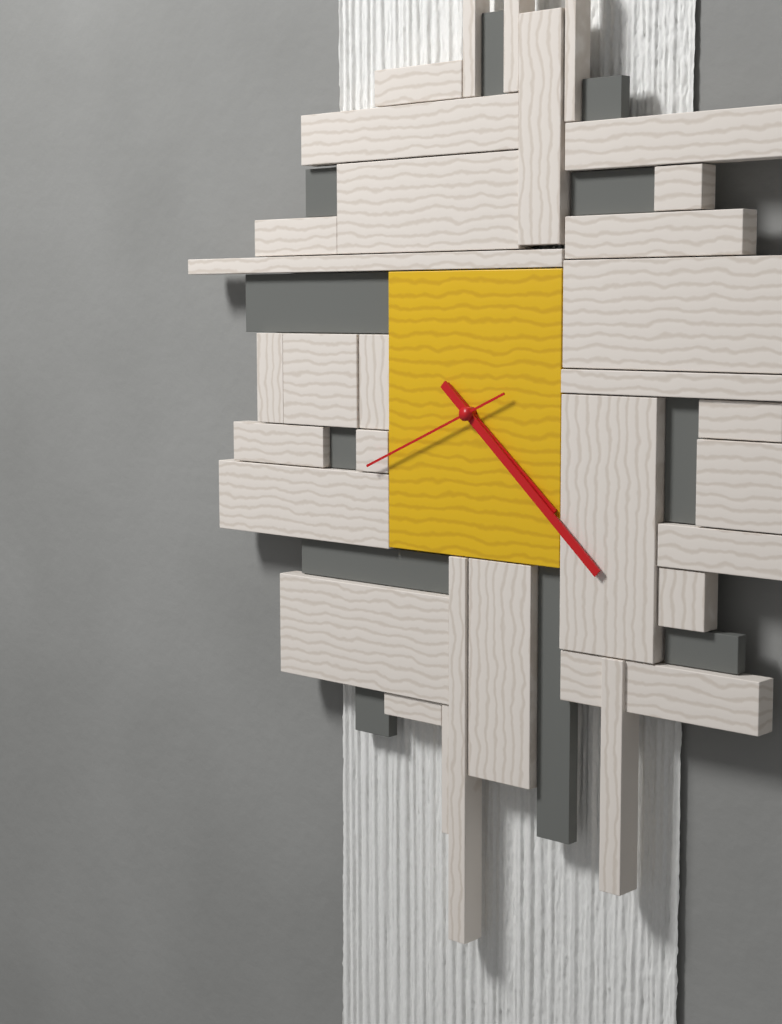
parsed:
4 h 22 min 41 s
